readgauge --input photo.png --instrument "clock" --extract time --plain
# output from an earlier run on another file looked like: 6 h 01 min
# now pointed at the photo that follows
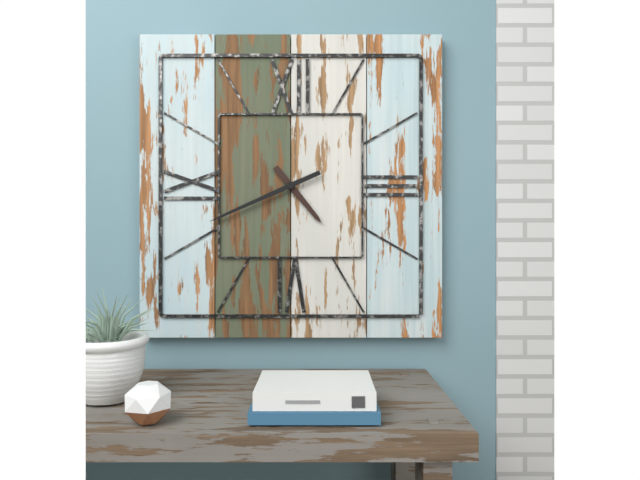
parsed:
4 h 41 min
